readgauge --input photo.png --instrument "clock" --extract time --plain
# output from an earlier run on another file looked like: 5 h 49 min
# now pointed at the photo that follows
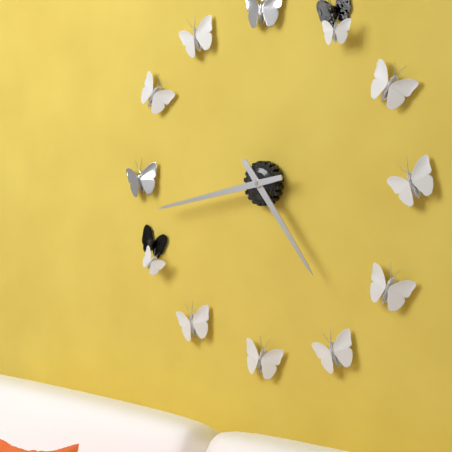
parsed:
4 h 43 min
